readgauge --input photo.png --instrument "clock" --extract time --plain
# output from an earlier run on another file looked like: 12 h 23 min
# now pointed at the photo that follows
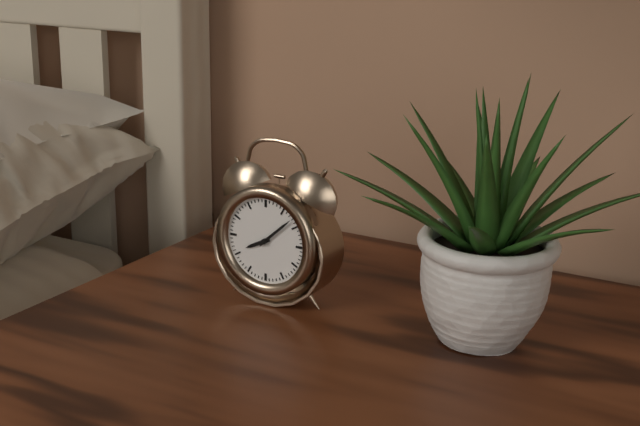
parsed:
8 h 08 min
